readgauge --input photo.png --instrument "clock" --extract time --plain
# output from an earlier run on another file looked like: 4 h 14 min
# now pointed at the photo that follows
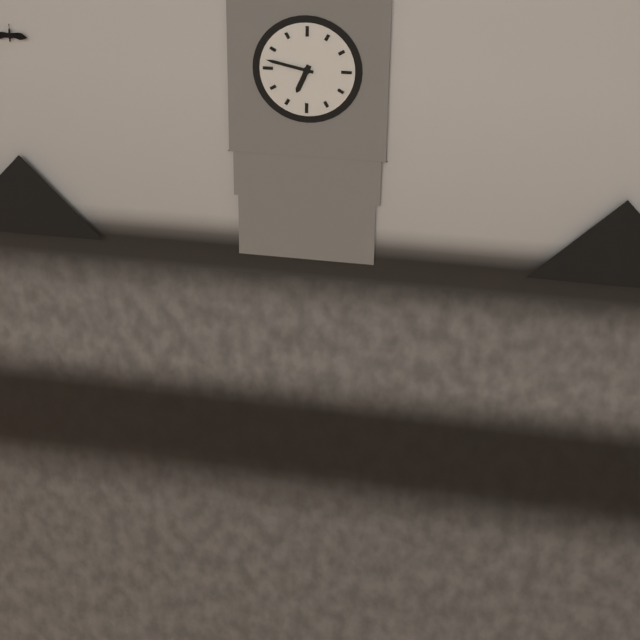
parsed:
6 h 47 min
